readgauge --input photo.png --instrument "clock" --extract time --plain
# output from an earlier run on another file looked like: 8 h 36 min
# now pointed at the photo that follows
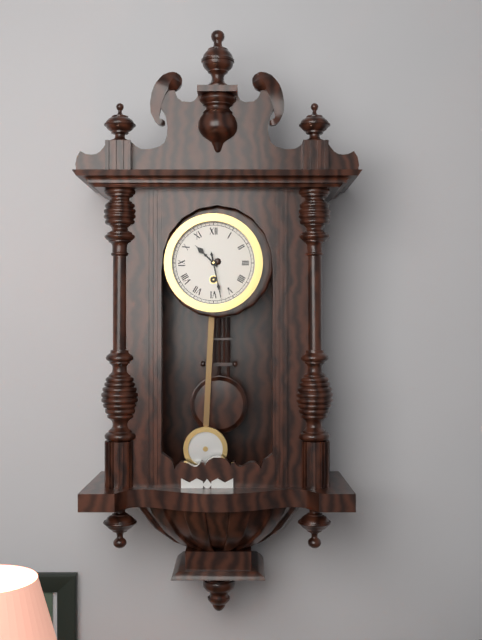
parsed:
10 h 28 min
